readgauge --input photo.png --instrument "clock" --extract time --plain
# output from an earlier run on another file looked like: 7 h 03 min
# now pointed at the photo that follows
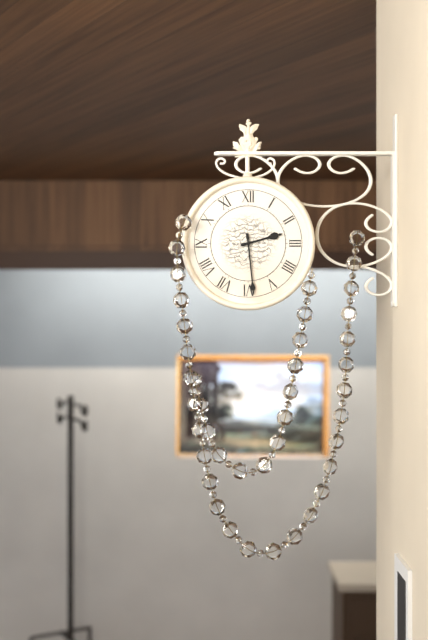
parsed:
2 h 29 min
